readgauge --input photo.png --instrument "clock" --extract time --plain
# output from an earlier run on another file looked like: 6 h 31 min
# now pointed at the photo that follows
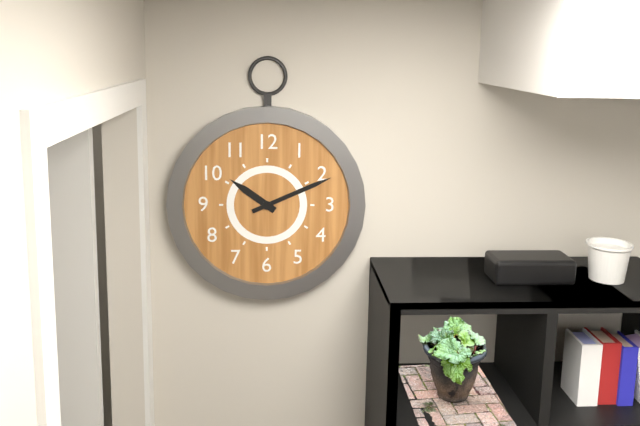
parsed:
10 h 11 min
